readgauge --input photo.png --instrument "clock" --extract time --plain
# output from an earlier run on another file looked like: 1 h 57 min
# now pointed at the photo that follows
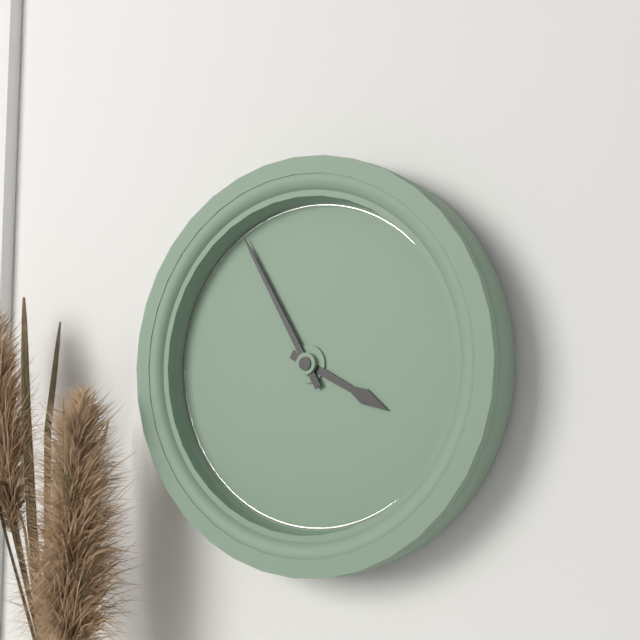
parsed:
3 h 55 min
